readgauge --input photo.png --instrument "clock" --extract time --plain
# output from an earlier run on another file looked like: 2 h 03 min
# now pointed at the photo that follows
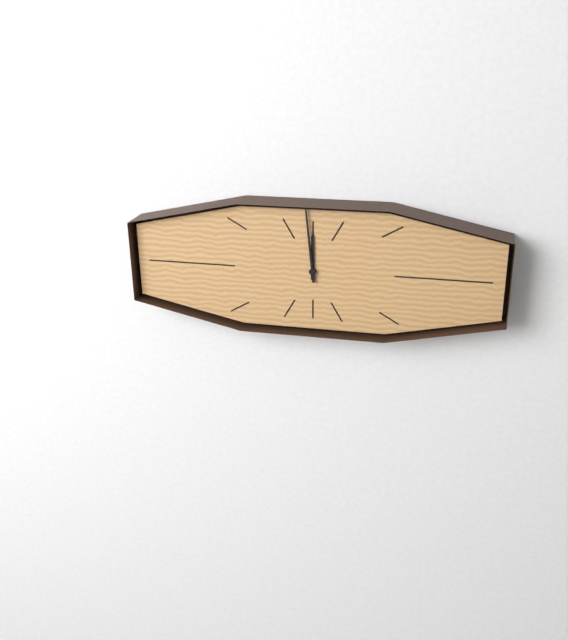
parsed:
11 h 59 min
